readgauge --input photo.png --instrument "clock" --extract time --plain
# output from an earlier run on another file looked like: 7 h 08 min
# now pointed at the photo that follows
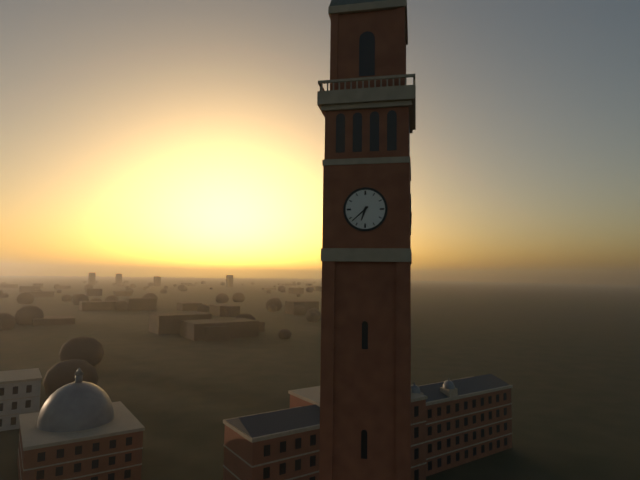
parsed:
6 h 38 min
